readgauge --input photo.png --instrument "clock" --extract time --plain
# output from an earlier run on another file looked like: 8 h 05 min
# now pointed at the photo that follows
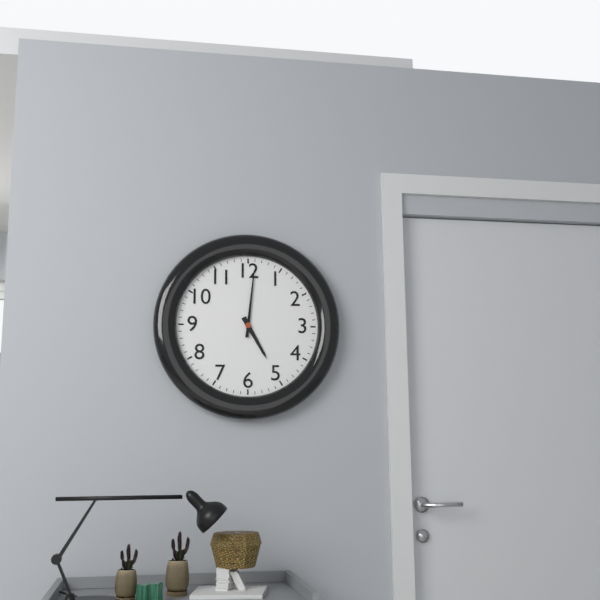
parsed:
5 h 01 min
